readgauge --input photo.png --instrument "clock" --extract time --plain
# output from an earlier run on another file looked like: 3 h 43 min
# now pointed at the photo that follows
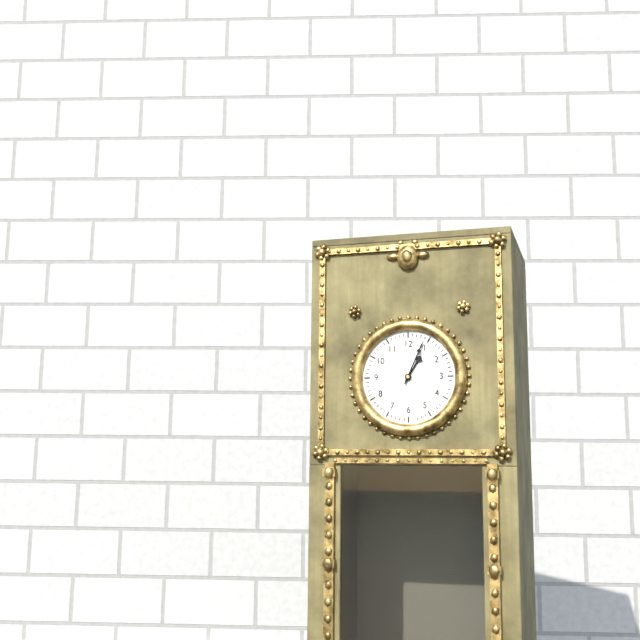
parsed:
1 h 04 min
